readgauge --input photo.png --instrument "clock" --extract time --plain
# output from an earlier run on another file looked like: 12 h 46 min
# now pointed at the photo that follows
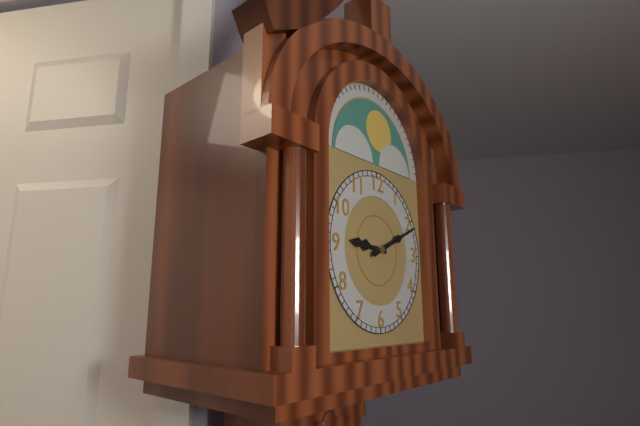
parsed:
9 h 11 min
